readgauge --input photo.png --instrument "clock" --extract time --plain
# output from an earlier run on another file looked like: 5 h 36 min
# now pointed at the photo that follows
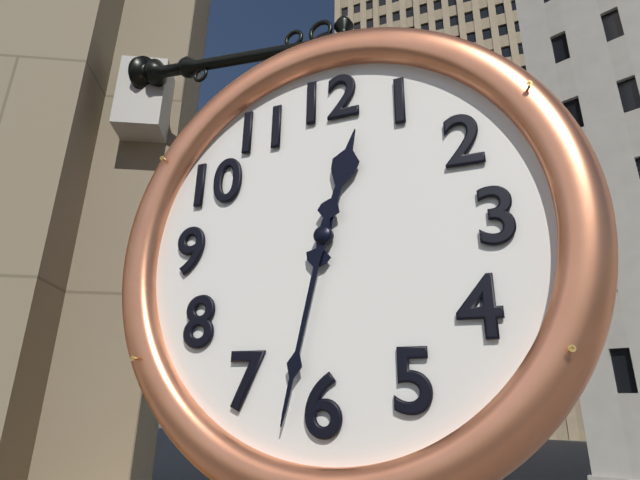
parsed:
12 h 32 min
